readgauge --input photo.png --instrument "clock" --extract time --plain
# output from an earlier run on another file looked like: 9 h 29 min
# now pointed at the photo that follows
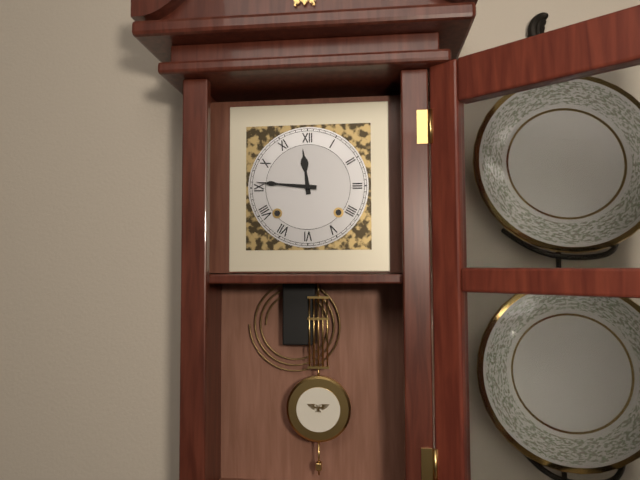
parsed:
11 h 46 min
